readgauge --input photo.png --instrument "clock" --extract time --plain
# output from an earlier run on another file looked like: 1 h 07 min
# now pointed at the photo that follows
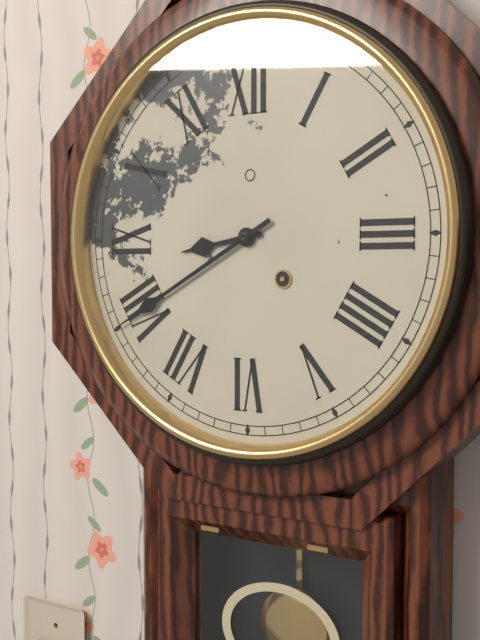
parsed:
8 h 40 min
